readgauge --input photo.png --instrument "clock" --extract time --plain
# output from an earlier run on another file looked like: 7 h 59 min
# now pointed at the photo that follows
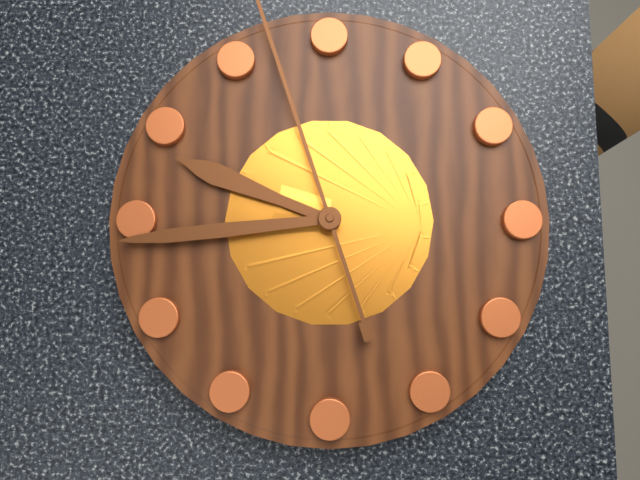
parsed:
9 h 44 min
